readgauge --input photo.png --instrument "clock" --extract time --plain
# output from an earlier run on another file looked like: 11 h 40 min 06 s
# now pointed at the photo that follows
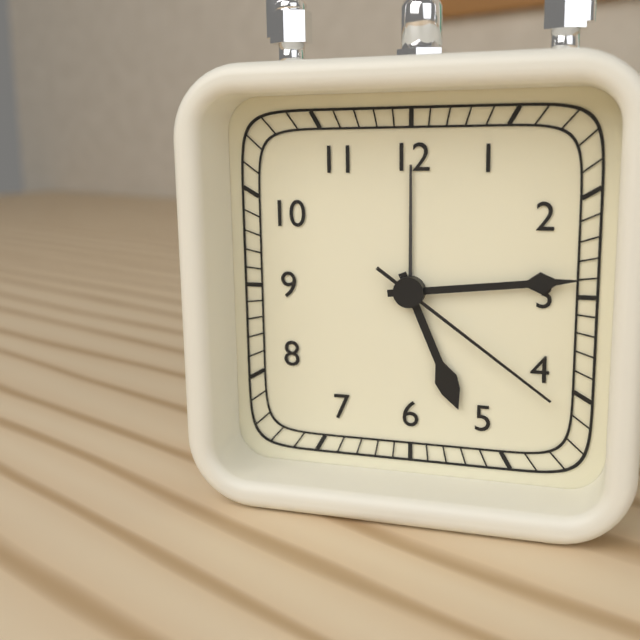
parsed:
5 h 14 min 21 s
